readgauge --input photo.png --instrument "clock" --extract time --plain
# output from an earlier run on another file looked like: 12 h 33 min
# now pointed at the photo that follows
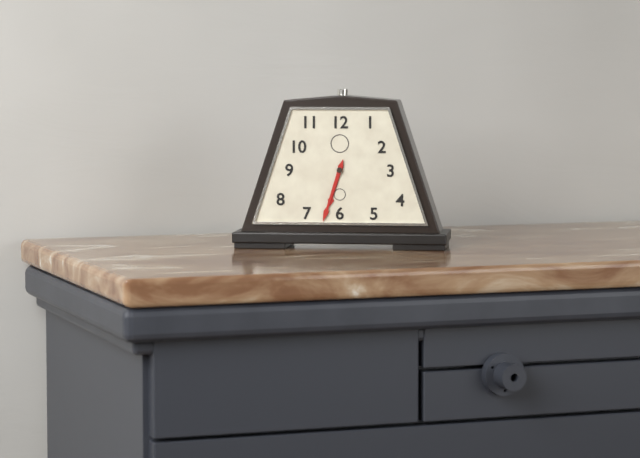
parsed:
6 h 33 min
